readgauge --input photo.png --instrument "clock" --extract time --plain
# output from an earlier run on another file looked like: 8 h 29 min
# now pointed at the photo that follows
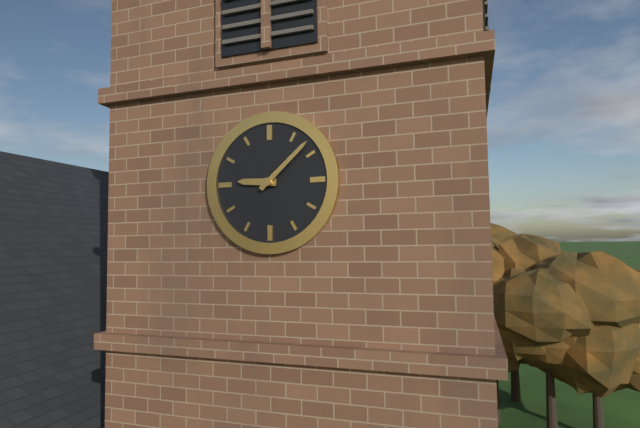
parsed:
9 h 08 min
